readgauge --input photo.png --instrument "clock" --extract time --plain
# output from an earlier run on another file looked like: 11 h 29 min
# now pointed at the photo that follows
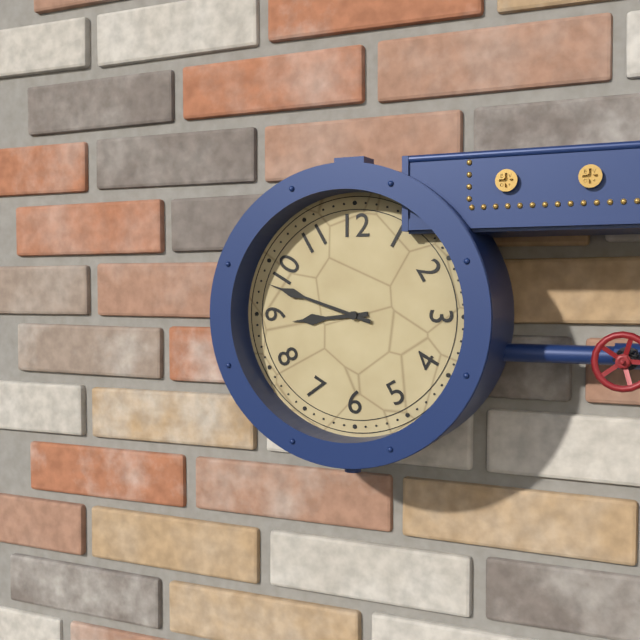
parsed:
8 h 48 min
